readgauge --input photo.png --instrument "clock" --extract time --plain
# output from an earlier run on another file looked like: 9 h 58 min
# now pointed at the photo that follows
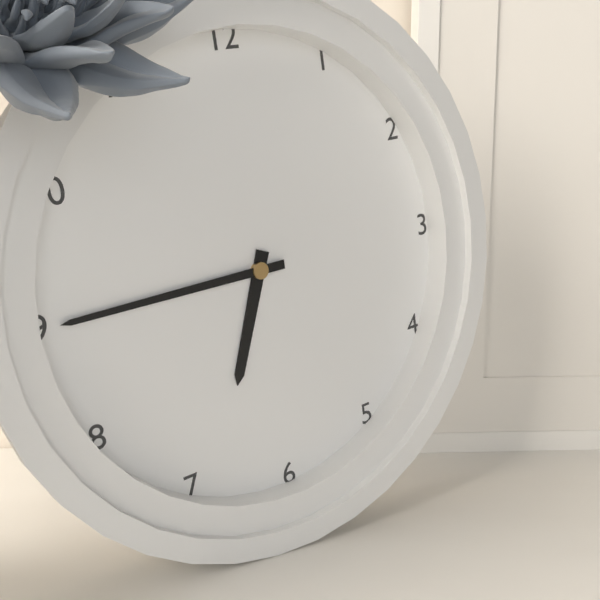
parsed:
6 h 45 min
